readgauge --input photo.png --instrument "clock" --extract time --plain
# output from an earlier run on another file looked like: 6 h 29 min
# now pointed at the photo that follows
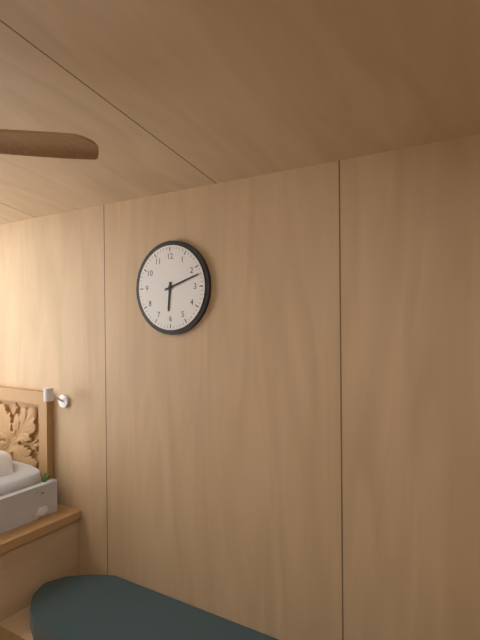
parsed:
6 h 12 min
